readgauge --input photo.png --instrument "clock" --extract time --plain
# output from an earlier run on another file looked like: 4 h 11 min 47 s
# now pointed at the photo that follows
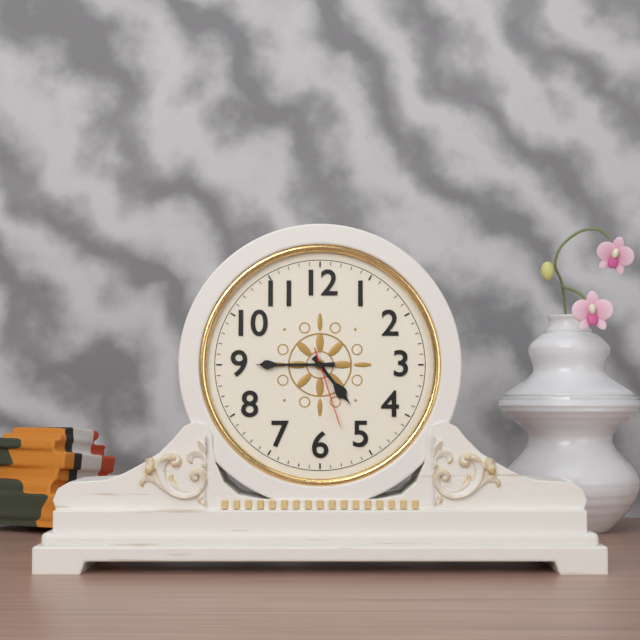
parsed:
4 h 45 min 27 s
